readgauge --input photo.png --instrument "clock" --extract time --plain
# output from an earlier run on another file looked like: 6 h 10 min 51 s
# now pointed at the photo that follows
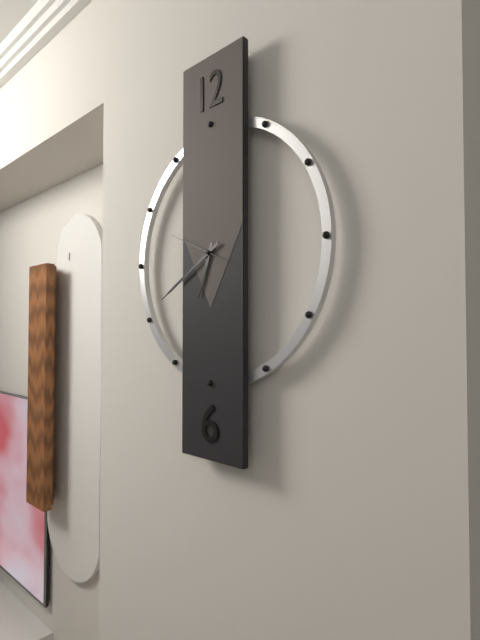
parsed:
6 h 40 min 49 s
